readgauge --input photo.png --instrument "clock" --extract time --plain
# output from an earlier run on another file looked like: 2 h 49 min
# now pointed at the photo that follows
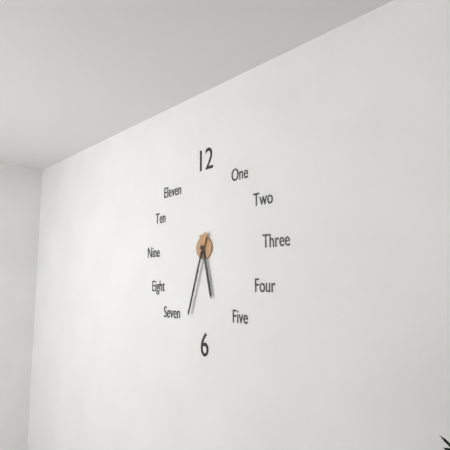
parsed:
5 h 33 min
